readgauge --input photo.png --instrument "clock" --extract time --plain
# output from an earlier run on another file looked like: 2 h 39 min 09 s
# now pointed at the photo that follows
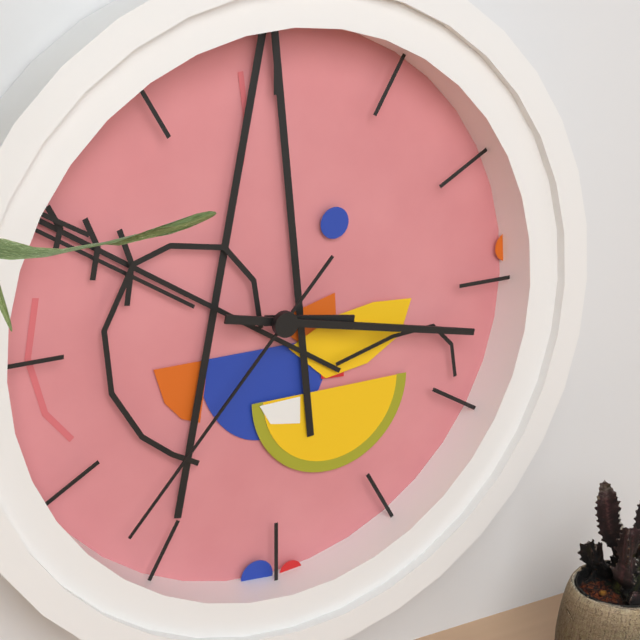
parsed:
3 h 17 min 37 s
